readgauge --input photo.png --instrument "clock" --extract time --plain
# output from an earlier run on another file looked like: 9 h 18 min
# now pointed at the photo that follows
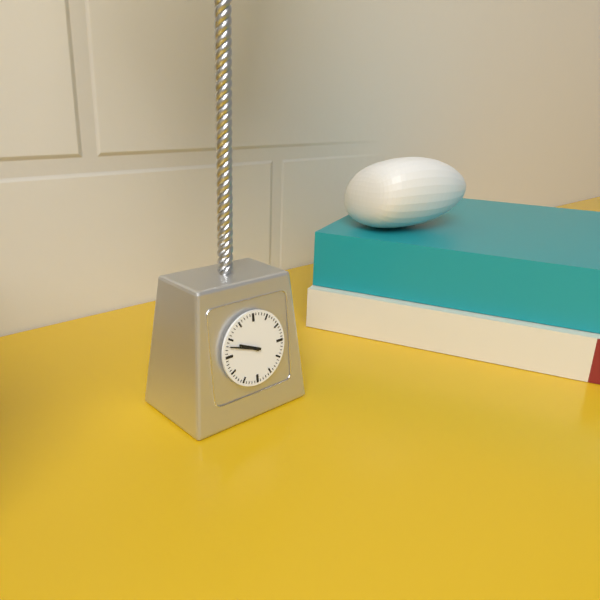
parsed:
9 h 48 min
